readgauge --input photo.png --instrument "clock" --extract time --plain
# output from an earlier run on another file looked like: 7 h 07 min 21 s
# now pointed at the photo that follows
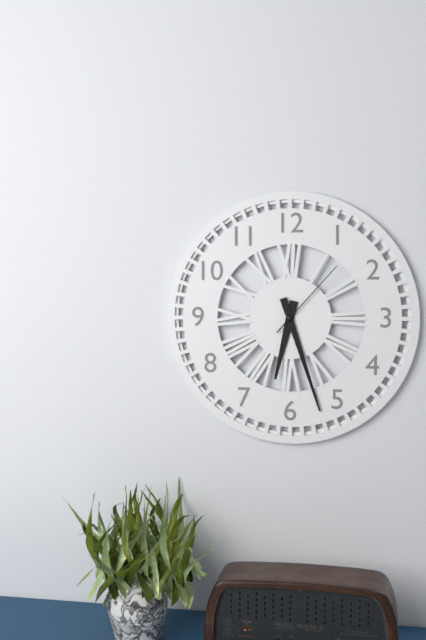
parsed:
6 h 27 min 07 s
